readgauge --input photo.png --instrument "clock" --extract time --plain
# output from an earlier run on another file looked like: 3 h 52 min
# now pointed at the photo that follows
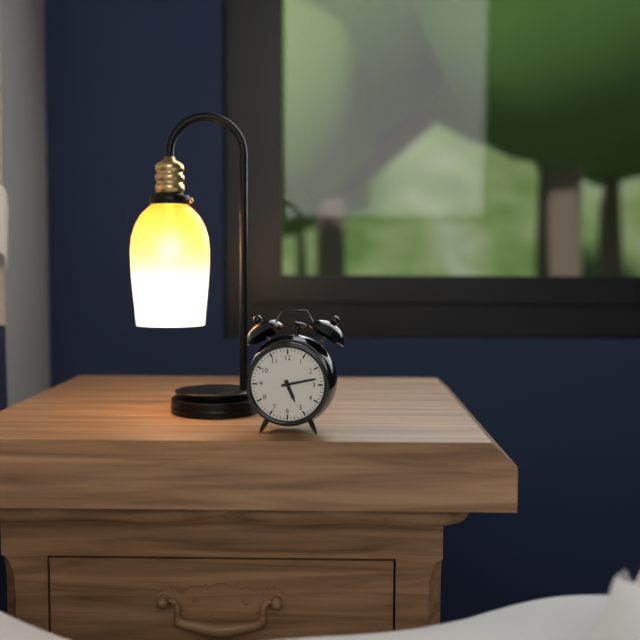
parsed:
5 h 13 min
